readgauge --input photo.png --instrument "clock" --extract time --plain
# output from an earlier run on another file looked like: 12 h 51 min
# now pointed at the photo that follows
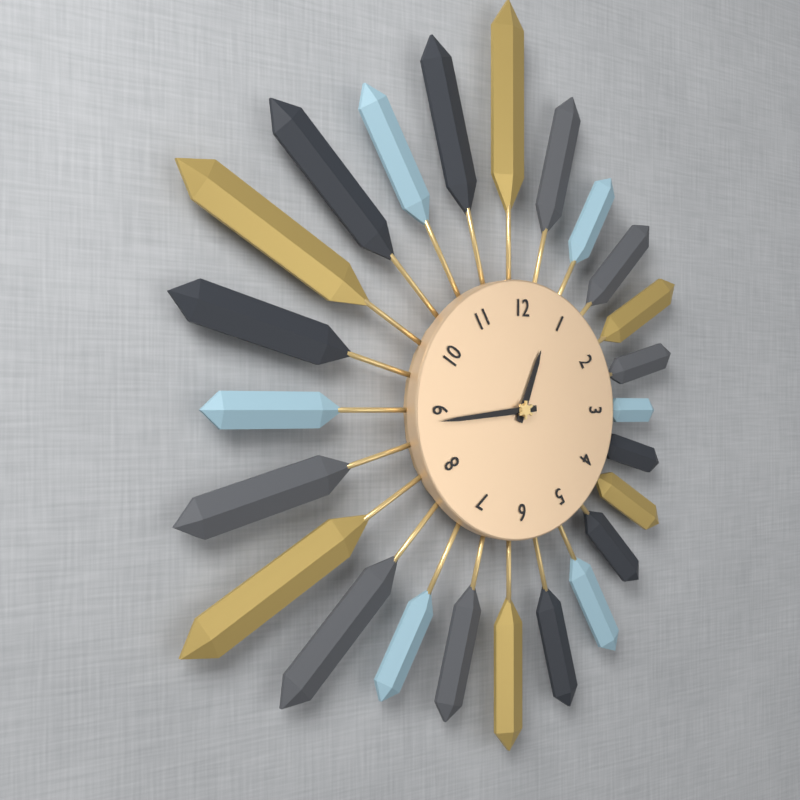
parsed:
12 h 44 min
